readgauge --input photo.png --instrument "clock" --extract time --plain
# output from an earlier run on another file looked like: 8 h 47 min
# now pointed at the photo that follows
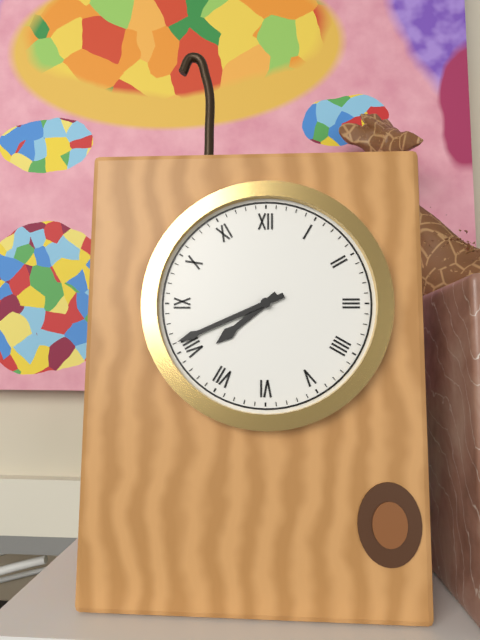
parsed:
7 h 41 min
